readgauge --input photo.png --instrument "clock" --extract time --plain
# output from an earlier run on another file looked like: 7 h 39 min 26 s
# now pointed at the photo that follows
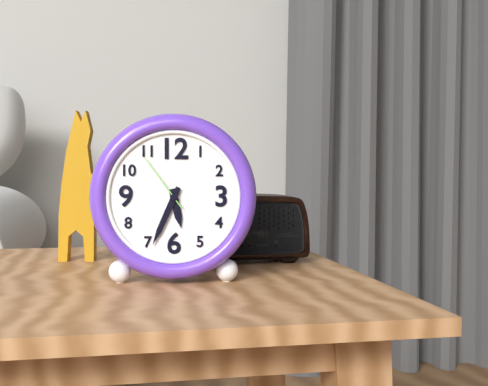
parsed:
5 h 34 min 54 s
